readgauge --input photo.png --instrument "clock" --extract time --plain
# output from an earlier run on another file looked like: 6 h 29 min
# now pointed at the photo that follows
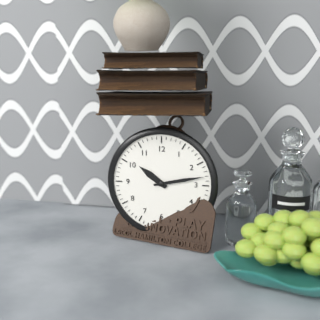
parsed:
10 h 13 min
